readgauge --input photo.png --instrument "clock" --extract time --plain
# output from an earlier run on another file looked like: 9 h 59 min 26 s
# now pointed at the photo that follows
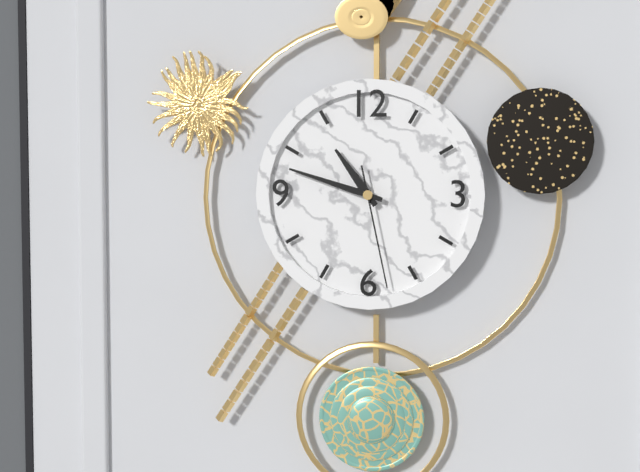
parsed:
10 h 48 min 28 s
